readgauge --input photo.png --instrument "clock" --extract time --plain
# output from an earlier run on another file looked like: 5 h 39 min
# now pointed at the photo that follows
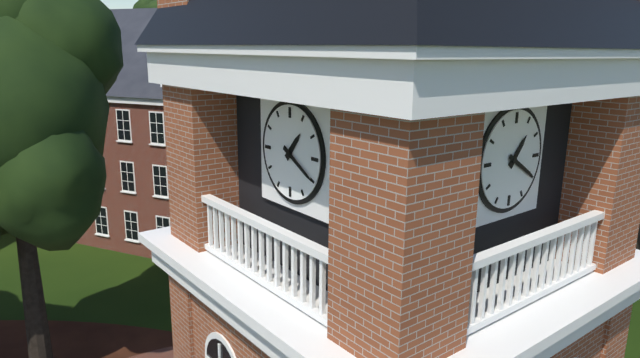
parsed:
1 h 20 min
